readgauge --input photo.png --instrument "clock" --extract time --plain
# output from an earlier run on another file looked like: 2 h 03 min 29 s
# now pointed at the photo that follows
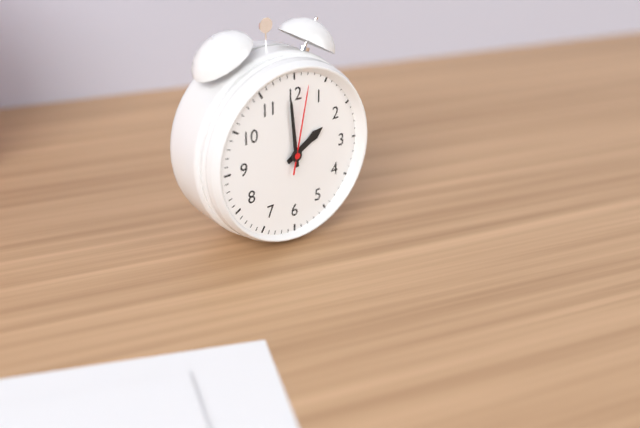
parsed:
1 h 59 min 02 s
